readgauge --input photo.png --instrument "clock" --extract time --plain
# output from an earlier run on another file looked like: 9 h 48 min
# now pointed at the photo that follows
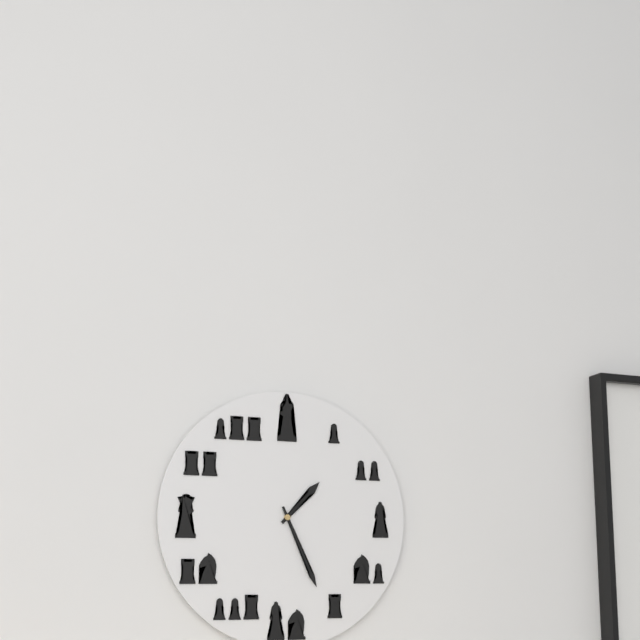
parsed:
1 h 26 min
